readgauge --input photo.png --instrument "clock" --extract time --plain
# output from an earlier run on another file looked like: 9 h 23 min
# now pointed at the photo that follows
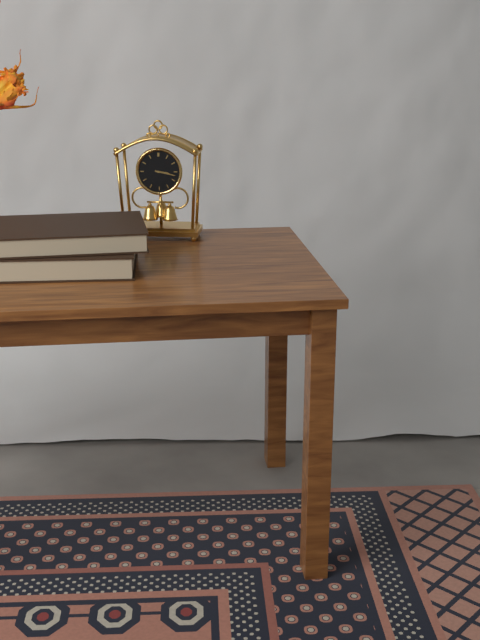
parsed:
3 h 17 min
